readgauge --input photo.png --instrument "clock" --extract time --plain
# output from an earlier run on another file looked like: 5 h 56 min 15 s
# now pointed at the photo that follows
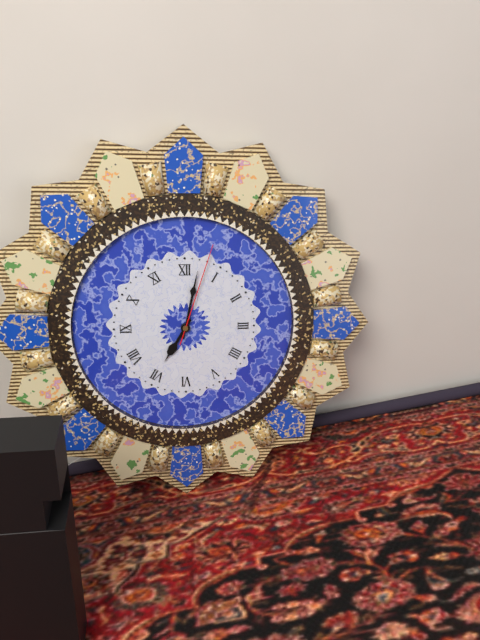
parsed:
7 h 02 min 03 s
